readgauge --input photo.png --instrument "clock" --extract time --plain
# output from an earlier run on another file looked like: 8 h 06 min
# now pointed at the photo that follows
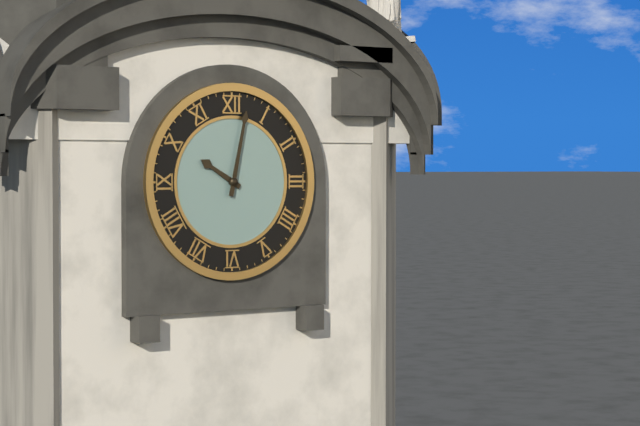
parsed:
10 h 02 min
